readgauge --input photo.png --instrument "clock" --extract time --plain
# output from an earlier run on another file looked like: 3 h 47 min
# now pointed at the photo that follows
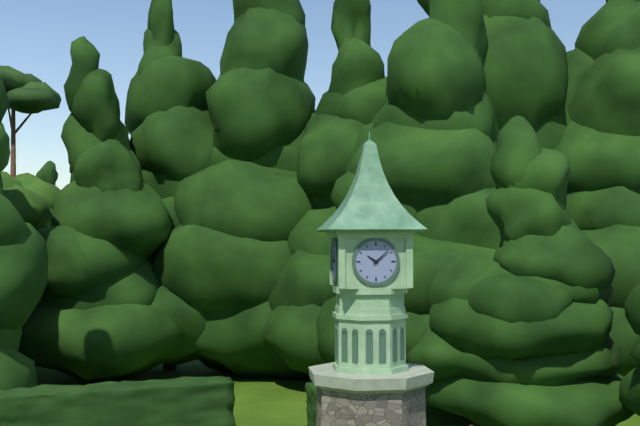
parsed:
10 h 08 min
